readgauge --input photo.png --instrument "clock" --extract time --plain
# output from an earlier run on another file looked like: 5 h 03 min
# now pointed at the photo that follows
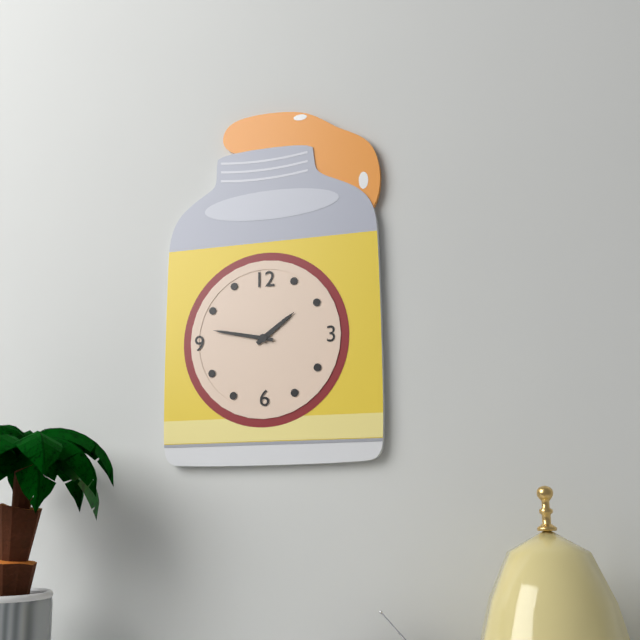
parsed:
1 h 47 min
